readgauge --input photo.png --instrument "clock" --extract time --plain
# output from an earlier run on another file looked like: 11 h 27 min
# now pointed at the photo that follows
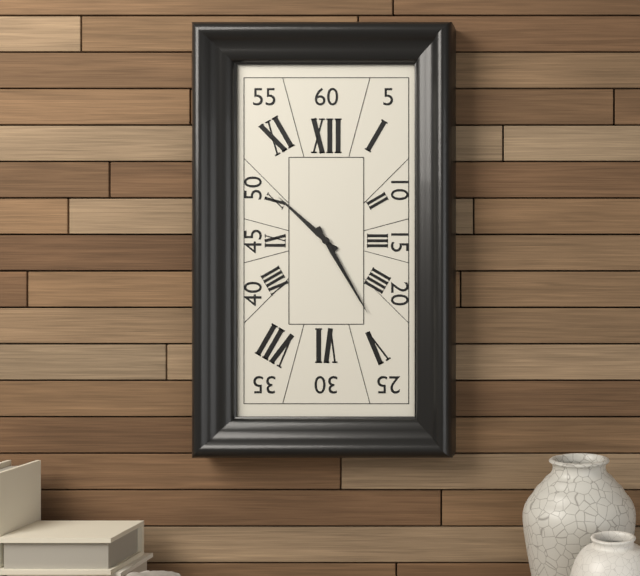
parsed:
10 h 25 min
